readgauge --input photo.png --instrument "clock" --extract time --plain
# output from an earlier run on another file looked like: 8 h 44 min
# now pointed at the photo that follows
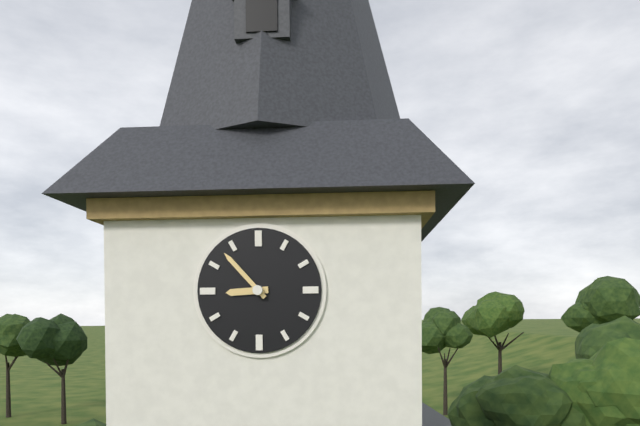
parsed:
8 h 53 min
